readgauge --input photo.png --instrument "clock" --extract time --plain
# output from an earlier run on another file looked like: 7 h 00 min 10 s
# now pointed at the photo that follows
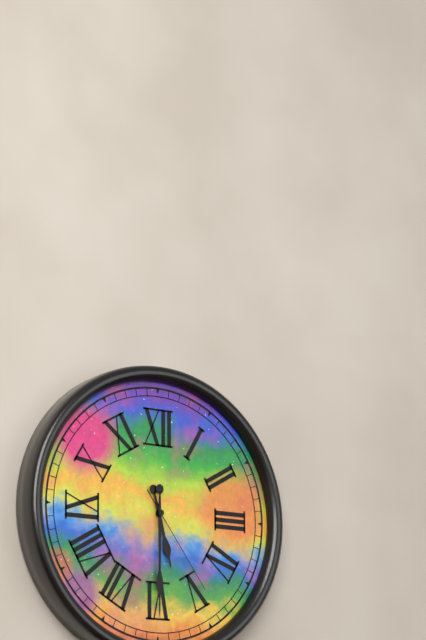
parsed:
5 h 30 min 24 s
